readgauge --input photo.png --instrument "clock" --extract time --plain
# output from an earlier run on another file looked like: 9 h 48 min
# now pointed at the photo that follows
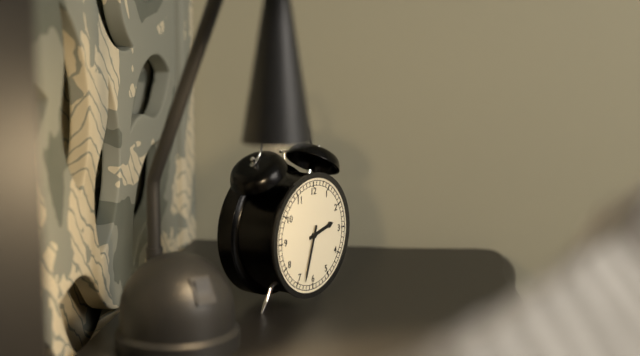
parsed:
2 h 33 min
